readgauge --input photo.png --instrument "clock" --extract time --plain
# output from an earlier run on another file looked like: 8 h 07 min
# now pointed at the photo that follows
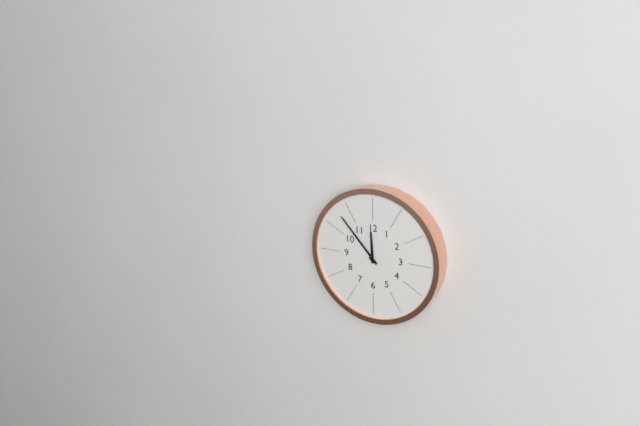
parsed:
11 h 53 min
